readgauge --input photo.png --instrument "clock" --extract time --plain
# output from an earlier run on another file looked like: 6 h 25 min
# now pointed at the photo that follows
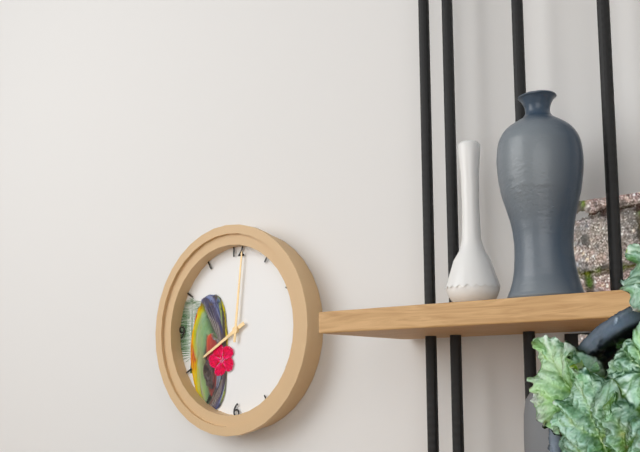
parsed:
8 h 01 min
